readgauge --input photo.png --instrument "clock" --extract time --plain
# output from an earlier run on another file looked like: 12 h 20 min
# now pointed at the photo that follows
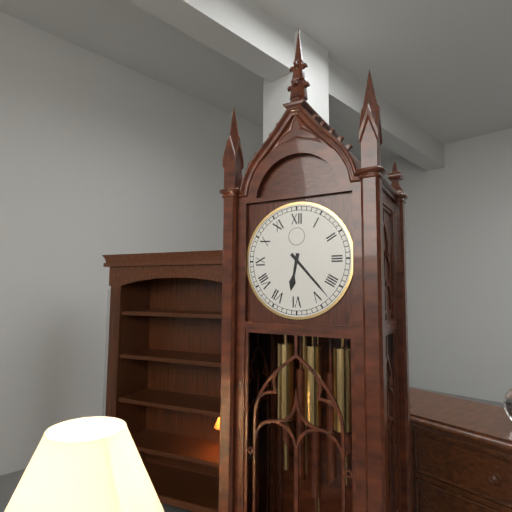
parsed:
6 h 23 min
